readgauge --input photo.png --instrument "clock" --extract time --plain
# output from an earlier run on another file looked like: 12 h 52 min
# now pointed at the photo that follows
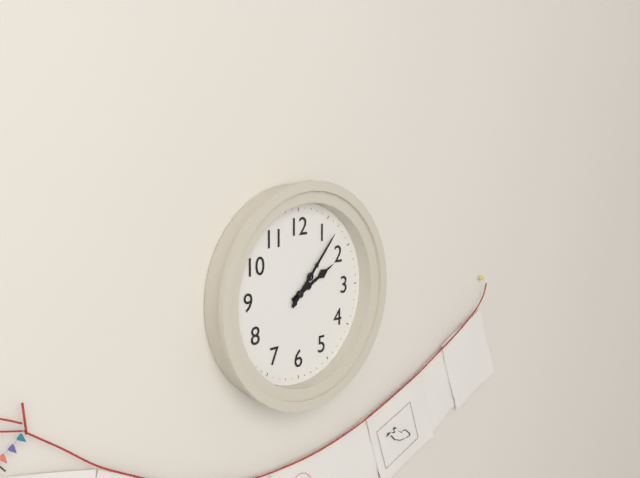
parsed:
2 h 07 min
